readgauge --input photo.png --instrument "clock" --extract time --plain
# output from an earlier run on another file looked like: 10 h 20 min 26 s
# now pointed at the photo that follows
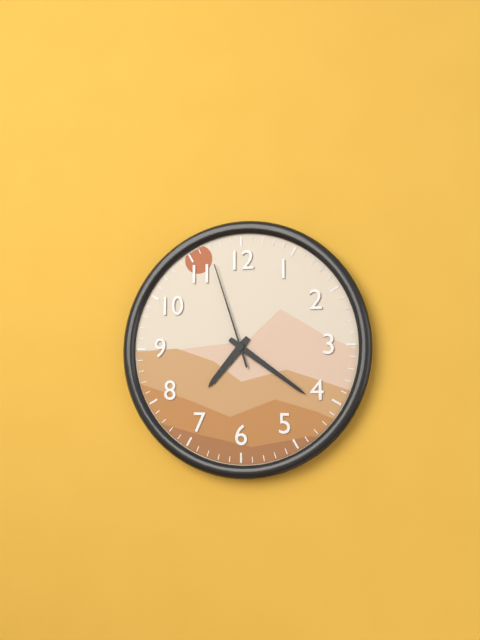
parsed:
7 h 21 min 57 s
